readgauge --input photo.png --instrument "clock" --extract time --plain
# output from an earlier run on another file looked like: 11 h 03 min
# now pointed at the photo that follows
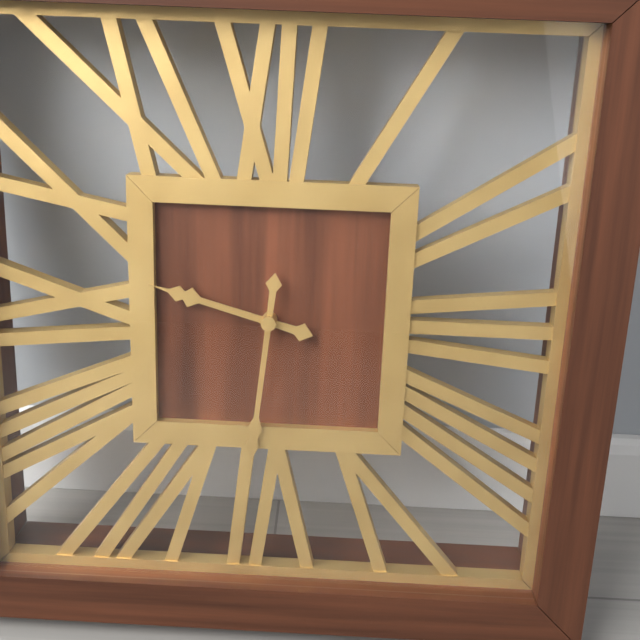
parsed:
9 h 31 min
